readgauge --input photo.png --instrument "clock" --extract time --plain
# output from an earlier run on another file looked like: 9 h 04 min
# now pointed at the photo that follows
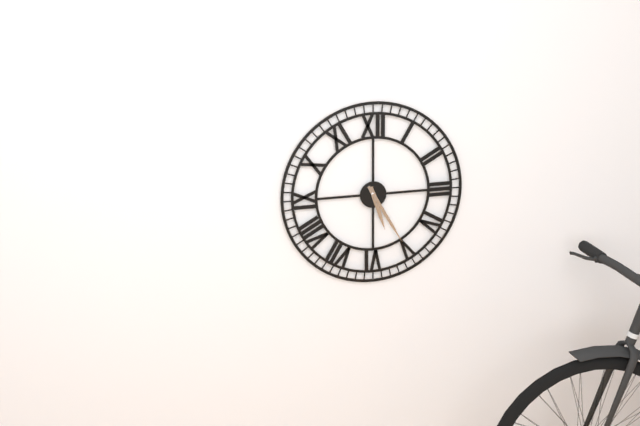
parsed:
5 h 25 min
